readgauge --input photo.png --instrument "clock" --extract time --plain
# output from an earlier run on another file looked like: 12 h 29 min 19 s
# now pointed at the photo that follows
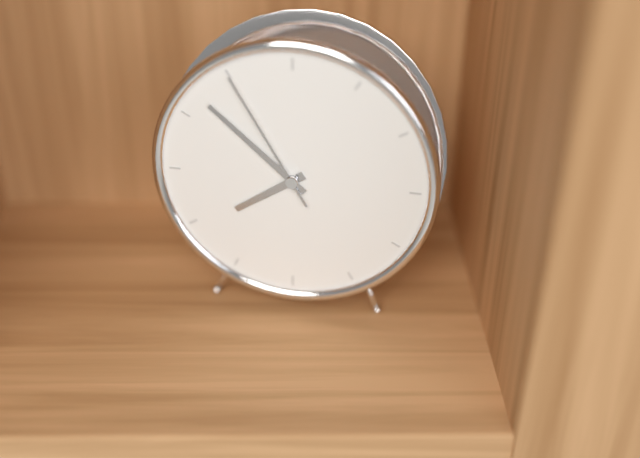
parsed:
7 h 52 min 55 s
